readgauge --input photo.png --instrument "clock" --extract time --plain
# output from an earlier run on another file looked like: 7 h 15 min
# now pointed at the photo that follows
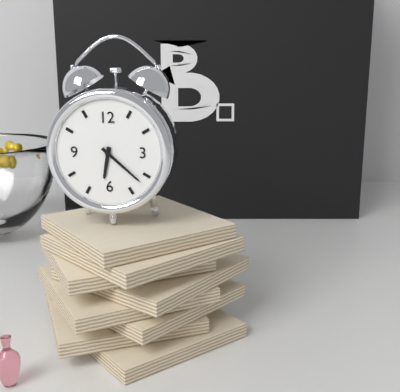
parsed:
6 h 22 min
